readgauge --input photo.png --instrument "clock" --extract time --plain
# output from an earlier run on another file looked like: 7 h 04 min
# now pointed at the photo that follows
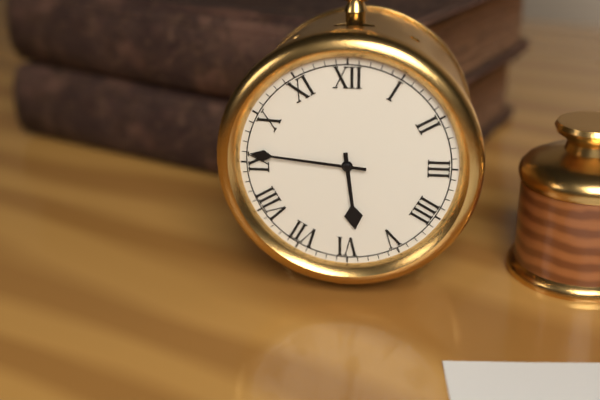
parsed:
5 h 46 min
